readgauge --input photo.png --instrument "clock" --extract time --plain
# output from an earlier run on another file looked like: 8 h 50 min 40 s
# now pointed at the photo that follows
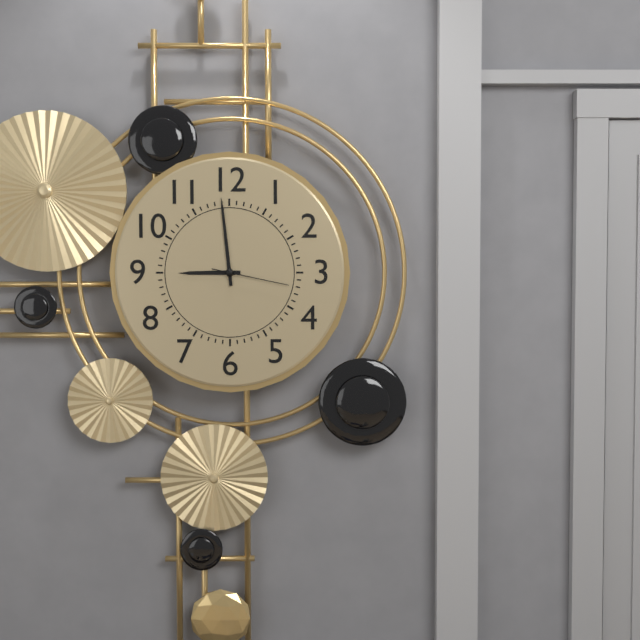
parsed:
8 h 59 min 17 s
